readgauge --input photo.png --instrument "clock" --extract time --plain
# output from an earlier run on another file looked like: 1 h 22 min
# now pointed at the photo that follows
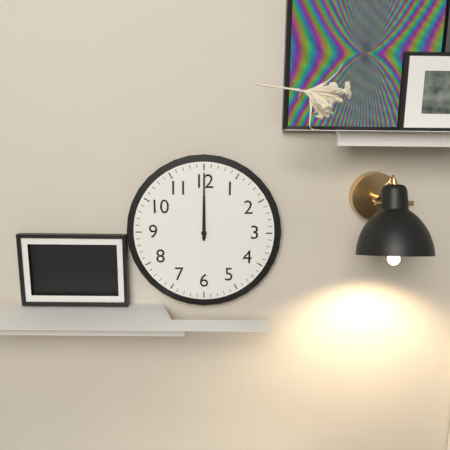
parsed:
12 h 00 min
